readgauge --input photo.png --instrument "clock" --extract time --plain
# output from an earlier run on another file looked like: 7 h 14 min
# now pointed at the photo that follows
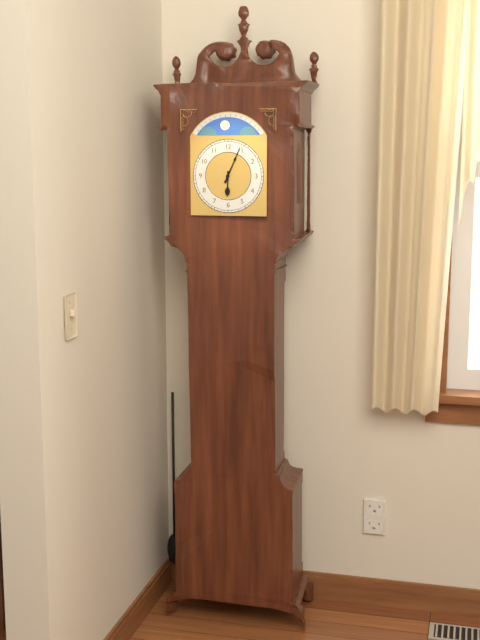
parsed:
6 h 04 min
